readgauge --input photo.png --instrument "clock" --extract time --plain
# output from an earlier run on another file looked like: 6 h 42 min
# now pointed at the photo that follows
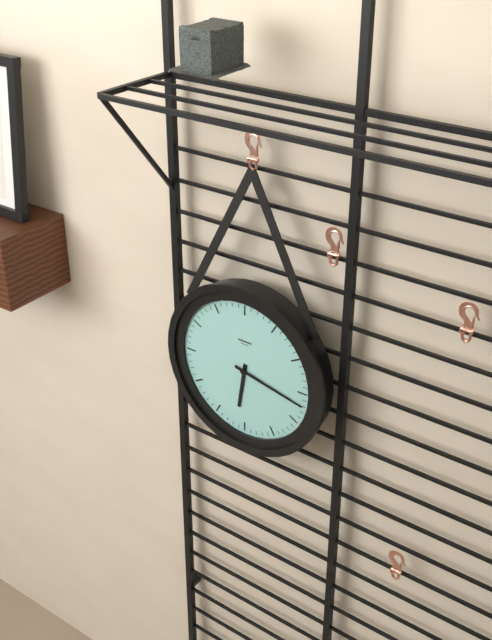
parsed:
6 h 17 min
